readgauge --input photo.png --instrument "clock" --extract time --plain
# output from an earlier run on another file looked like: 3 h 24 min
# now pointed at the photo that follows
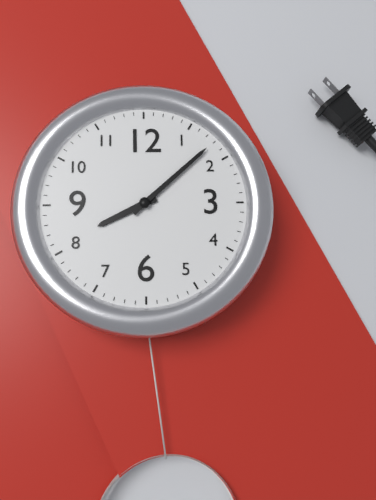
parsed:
8 h 08 min
